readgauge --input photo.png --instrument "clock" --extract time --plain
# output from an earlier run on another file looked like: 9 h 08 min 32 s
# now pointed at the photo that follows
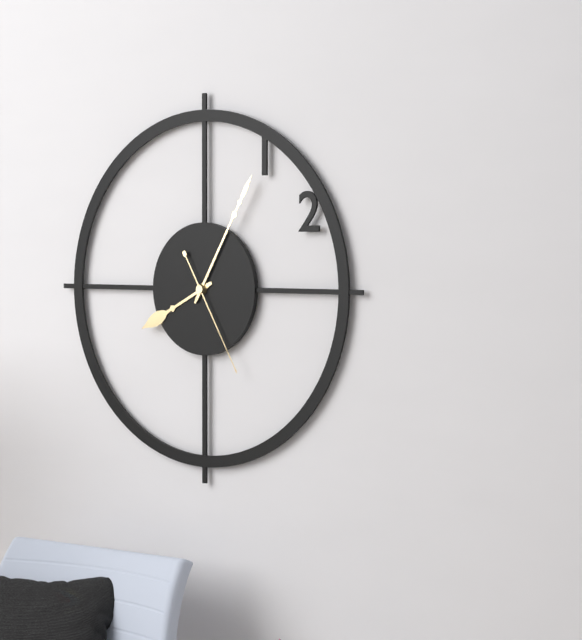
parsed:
8 h 05 min 25 s
